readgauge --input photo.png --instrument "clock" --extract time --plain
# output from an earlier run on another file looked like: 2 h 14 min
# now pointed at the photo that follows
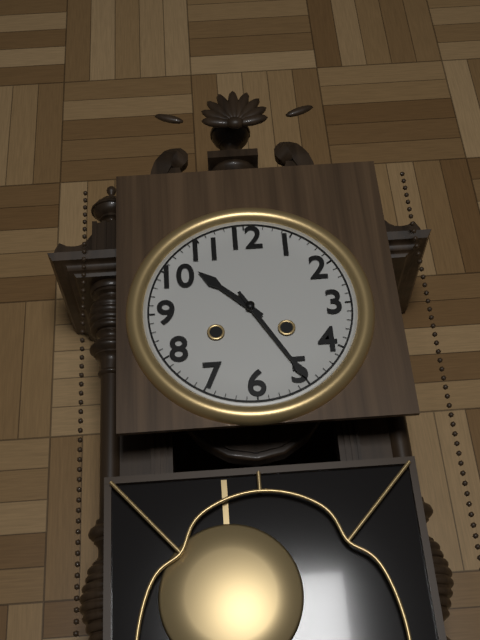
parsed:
10 h 25 min
